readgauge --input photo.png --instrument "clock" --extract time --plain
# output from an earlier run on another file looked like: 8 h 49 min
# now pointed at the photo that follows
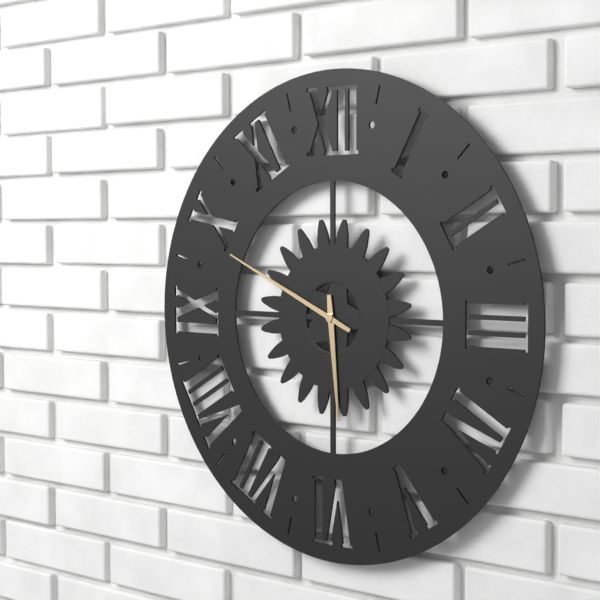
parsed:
5 h 49 min
